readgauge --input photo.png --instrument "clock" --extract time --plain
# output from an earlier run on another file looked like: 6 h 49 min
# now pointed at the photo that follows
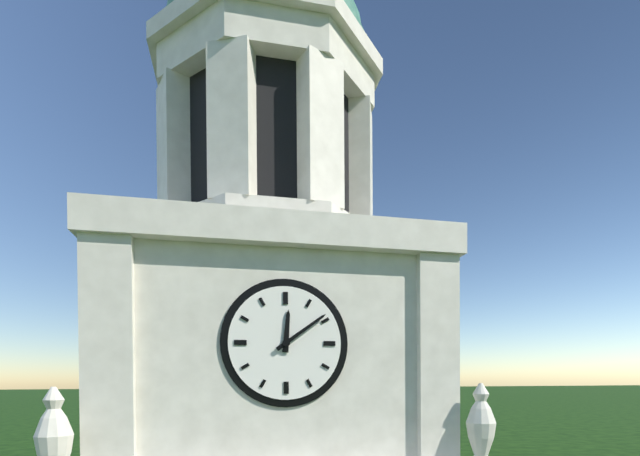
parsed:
12 h 09 min
